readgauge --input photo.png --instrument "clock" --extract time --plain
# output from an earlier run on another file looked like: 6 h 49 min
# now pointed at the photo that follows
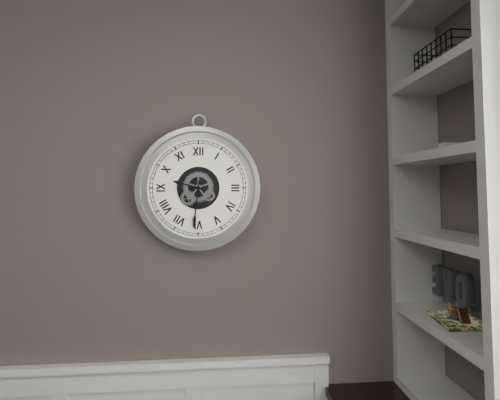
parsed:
9 h 31 min
